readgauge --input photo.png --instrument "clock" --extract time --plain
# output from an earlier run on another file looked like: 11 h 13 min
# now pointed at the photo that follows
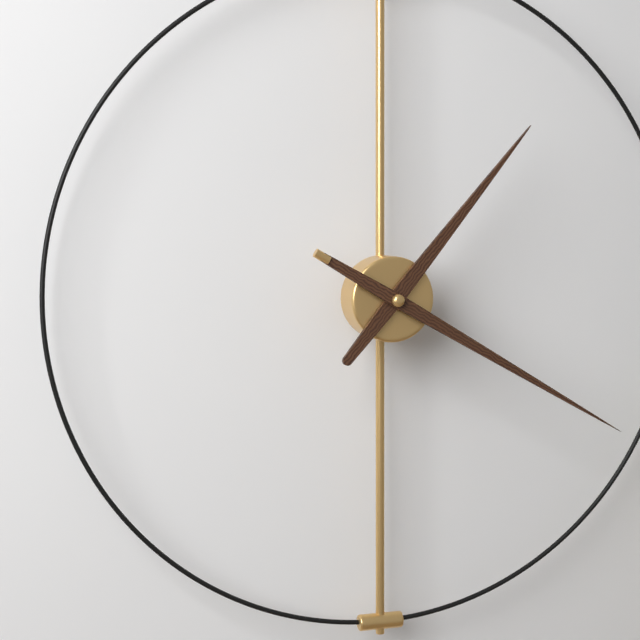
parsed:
1 h 20 min
